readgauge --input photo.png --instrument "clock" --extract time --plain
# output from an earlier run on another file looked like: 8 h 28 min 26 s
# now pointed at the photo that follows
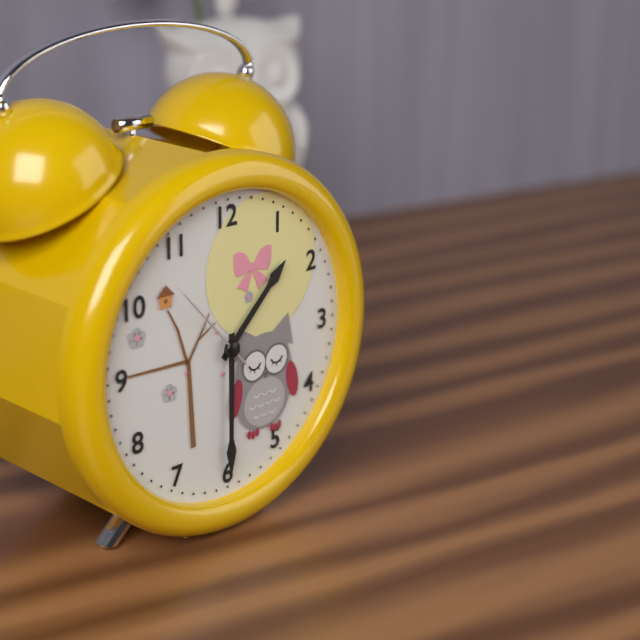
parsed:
1 h 30 min 53 s
